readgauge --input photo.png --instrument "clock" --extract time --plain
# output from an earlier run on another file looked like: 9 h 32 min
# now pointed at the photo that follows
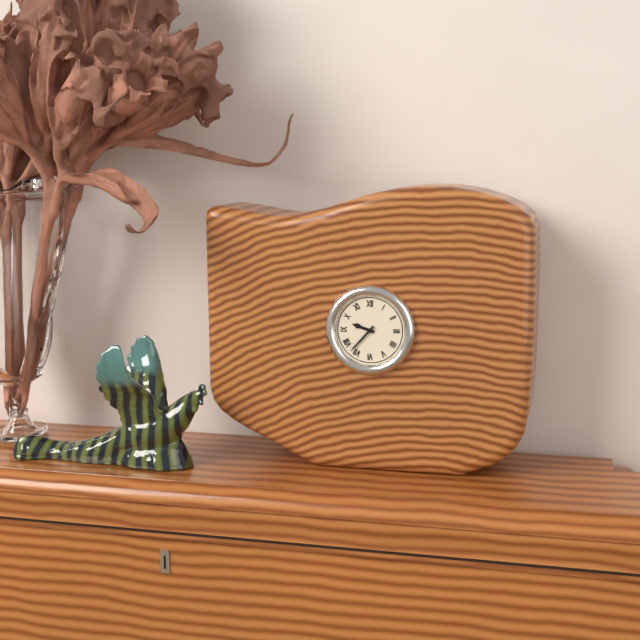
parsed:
9 h 37 min
